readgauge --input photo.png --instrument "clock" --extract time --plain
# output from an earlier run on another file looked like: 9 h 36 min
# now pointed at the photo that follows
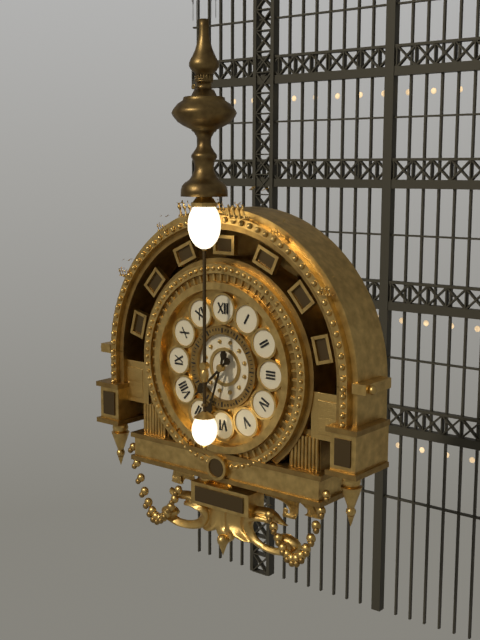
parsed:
7 h 33 min
